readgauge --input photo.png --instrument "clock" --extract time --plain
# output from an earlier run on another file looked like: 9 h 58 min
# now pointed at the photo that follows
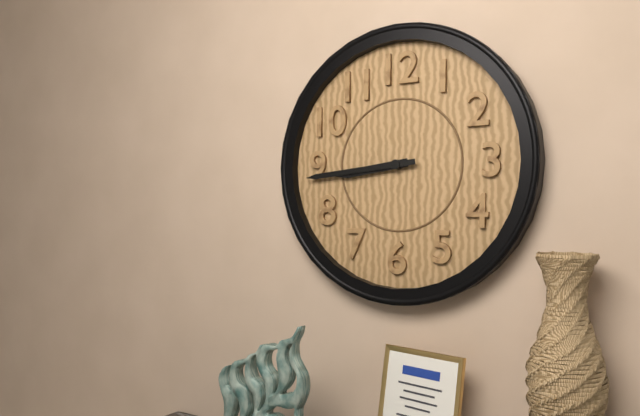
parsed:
8 h 44 min
